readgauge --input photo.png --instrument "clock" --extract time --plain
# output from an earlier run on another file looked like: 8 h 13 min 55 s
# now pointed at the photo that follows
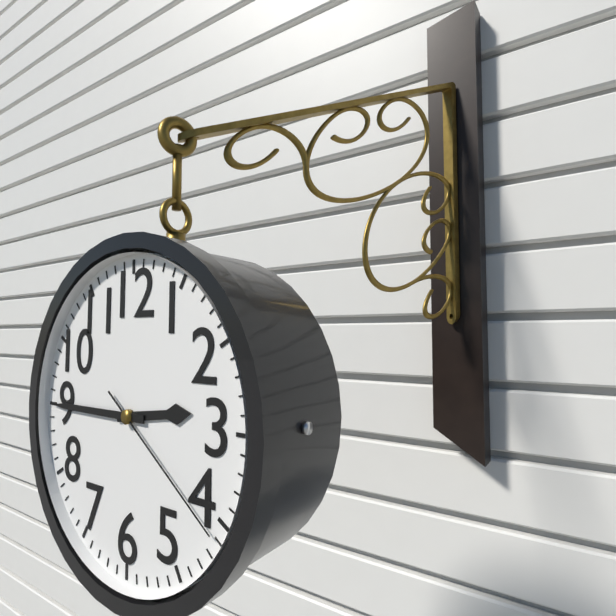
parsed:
2 h 45 min 21 s
